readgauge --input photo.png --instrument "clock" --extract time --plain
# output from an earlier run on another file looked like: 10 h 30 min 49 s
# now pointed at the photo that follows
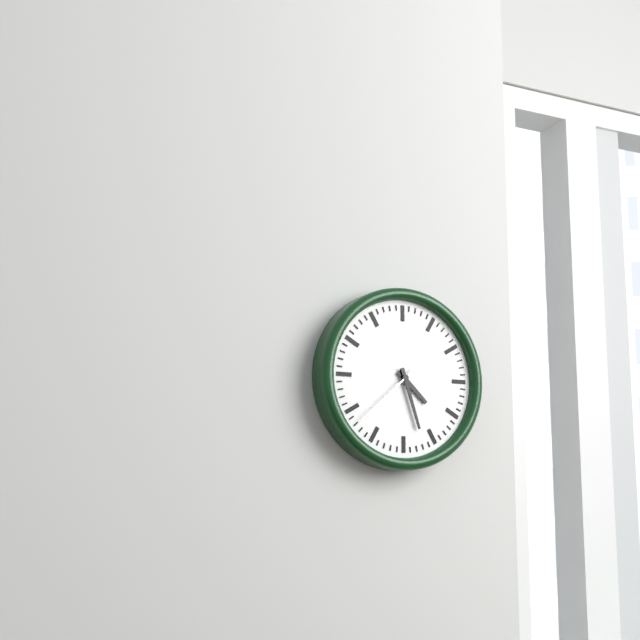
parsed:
4 h 27 min 38 s
